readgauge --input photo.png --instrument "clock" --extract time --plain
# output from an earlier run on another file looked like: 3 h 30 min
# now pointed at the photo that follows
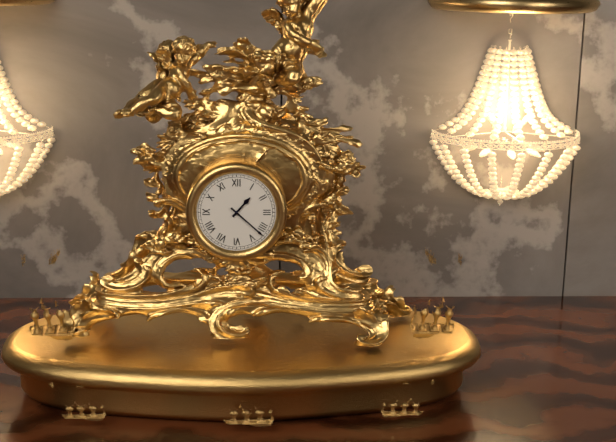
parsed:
1 h 22 min
